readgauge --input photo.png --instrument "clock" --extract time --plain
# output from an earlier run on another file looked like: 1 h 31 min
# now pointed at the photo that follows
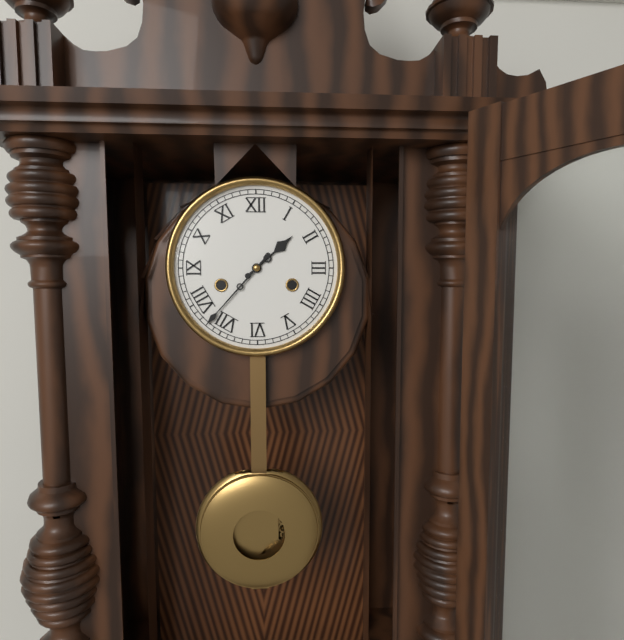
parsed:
1 h 37 min
